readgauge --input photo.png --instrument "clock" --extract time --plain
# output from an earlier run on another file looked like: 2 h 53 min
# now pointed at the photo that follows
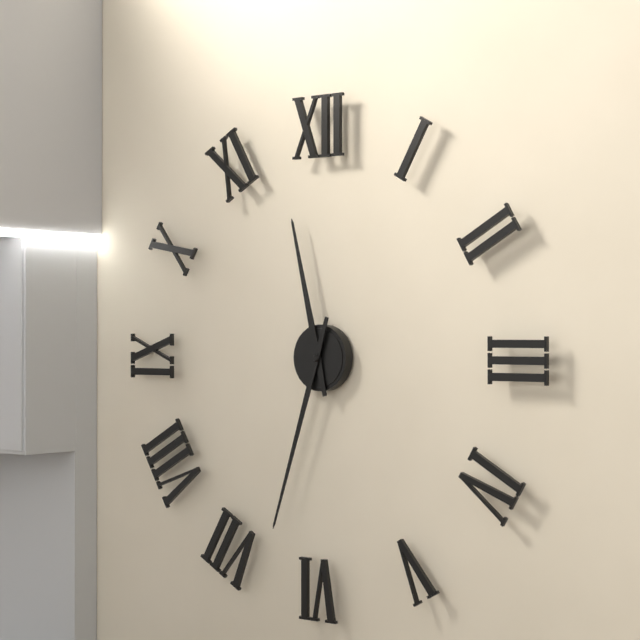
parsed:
11 h 33 min
